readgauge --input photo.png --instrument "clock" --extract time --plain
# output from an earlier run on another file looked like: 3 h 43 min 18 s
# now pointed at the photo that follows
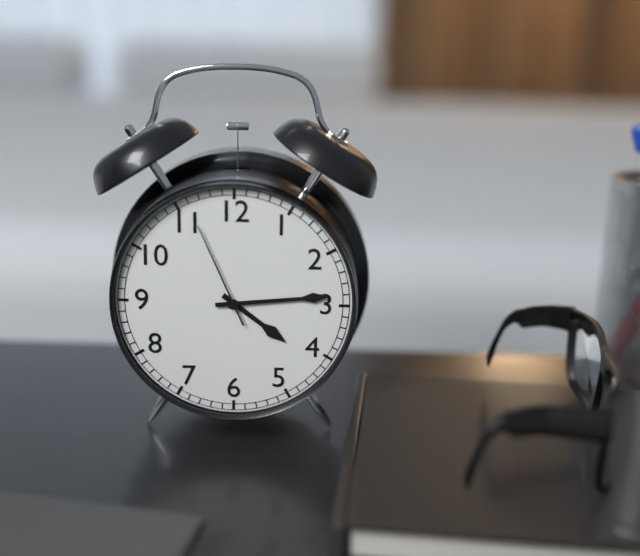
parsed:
4 h 14 min 56 s
